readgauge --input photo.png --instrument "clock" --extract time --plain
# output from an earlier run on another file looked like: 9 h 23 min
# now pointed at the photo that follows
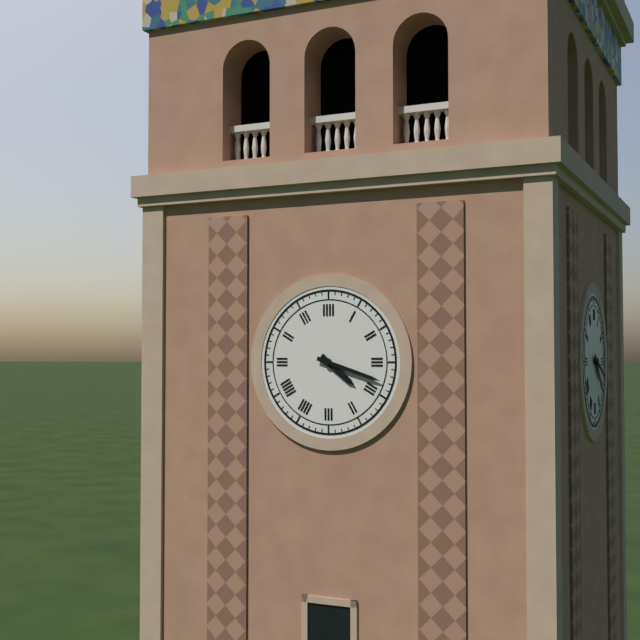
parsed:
4 h 18 min
